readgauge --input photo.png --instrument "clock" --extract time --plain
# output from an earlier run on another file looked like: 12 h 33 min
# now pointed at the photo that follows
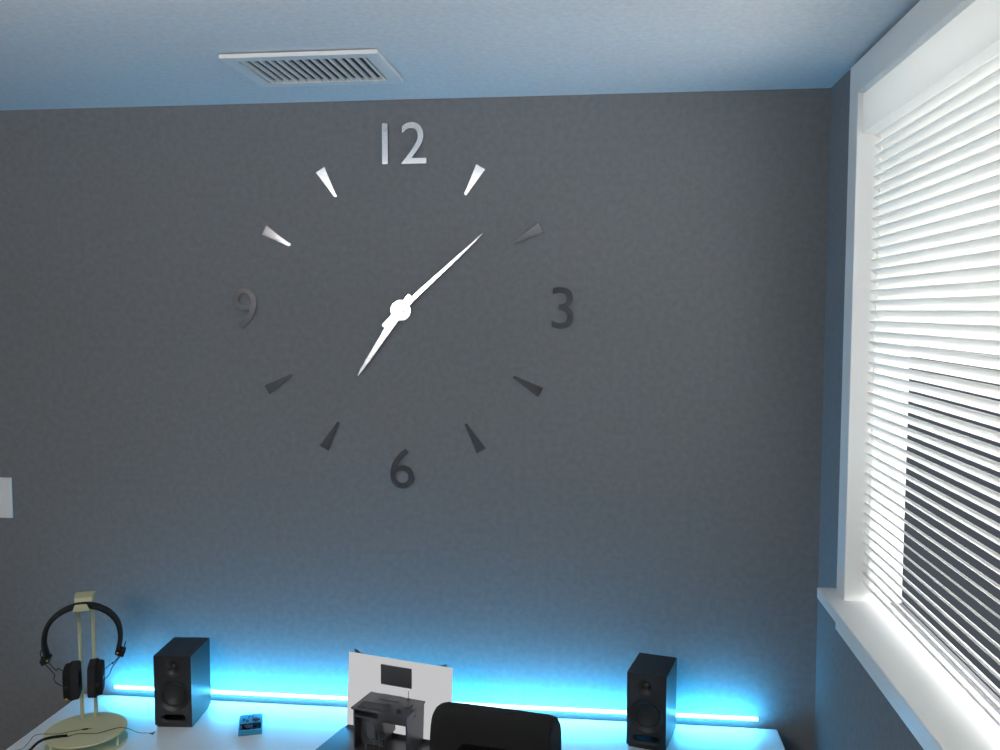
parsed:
7 h 08 min
